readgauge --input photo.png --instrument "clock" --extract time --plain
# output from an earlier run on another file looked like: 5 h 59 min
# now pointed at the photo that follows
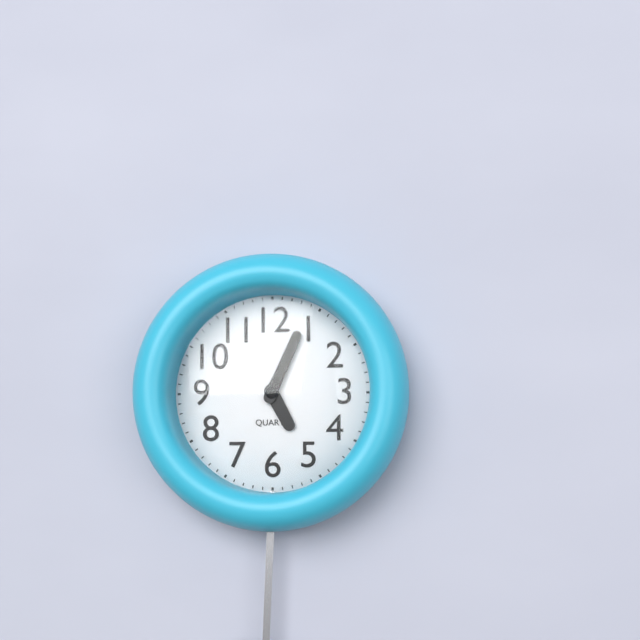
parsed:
5 h 04 min
